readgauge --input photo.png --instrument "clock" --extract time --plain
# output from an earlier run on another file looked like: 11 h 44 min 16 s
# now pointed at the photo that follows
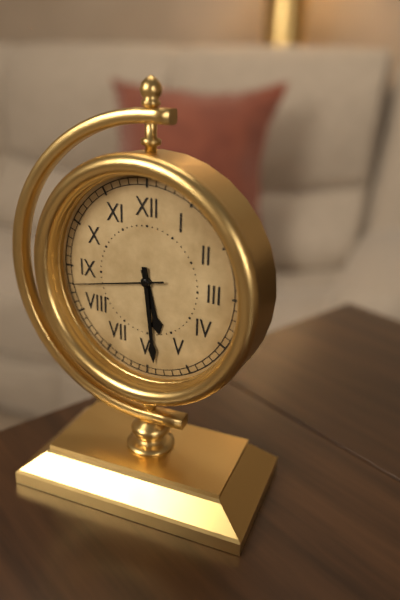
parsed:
5 h 29 min 43 s
